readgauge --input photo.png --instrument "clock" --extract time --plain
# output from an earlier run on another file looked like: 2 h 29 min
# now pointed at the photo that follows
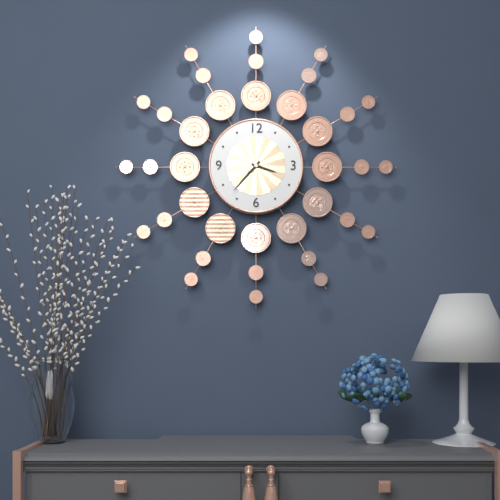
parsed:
3 h 37 min
